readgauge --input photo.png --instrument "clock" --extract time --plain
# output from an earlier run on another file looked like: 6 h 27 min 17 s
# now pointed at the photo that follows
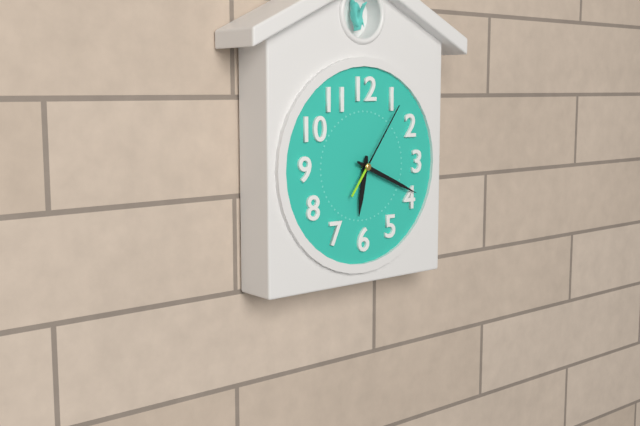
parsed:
6 h 19 min 06 s
